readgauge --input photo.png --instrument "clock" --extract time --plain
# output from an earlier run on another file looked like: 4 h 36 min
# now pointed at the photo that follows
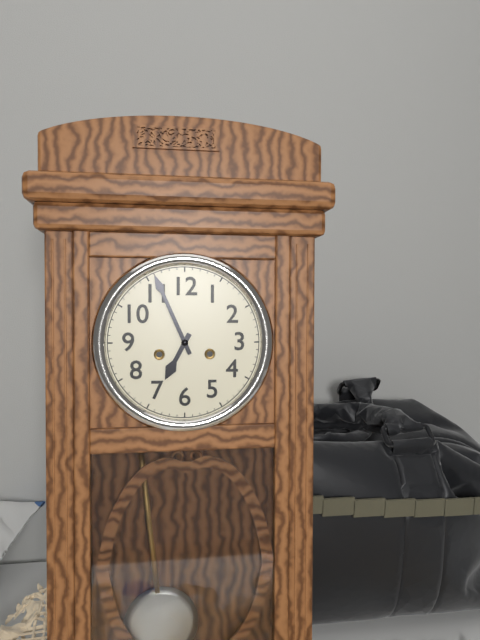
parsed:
6 h 56 min
